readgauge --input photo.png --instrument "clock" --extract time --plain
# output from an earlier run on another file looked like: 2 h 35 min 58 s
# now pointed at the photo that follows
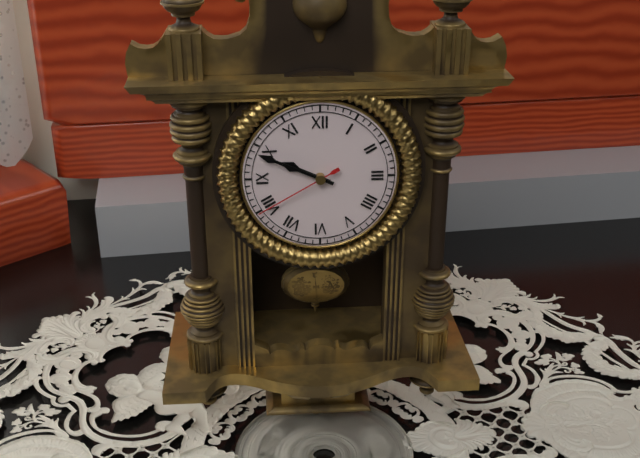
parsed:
9 h 49 min 40 s
